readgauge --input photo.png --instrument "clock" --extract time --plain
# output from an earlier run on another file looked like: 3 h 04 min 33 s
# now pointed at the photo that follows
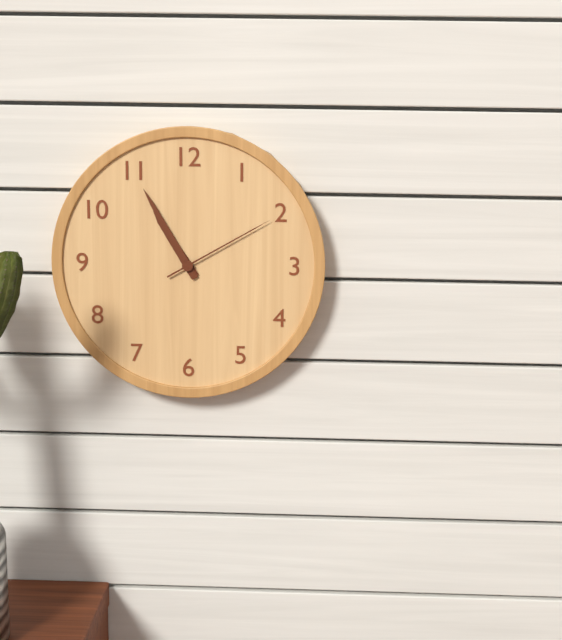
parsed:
10 h 55 min 10 s
